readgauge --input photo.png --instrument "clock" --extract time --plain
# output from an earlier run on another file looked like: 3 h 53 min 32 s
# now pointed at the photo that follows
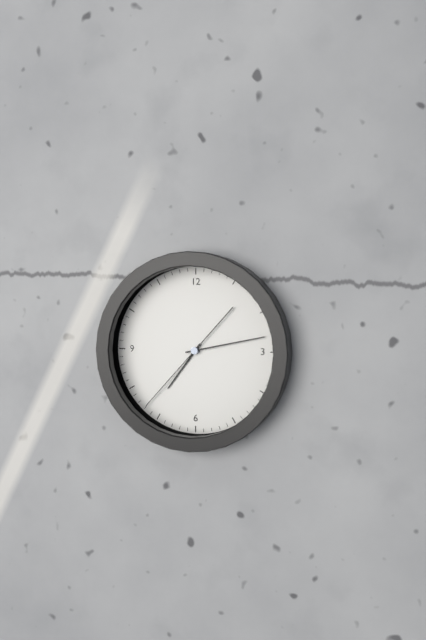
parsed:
7 h 13 min 37 s
